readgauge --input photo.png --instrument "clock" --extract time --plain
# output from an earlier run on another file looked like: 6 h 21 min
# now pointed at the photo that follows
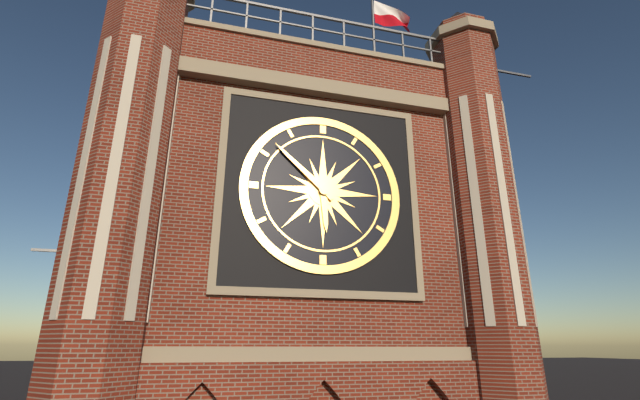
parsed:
5 h 52 min
